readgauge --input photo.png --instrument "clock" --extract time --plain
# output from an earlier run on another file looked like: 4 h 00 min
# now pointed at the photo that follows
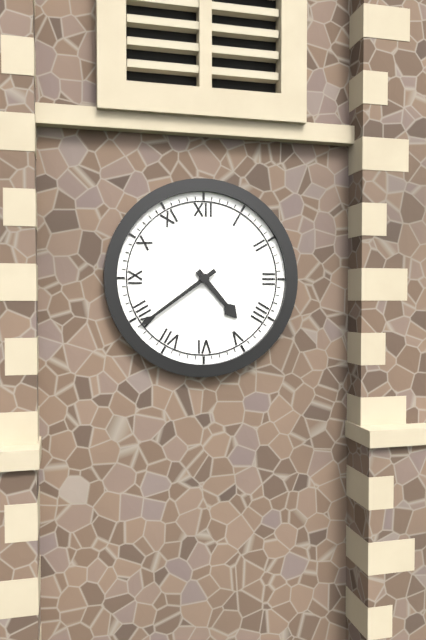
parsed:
4 h 39 min
